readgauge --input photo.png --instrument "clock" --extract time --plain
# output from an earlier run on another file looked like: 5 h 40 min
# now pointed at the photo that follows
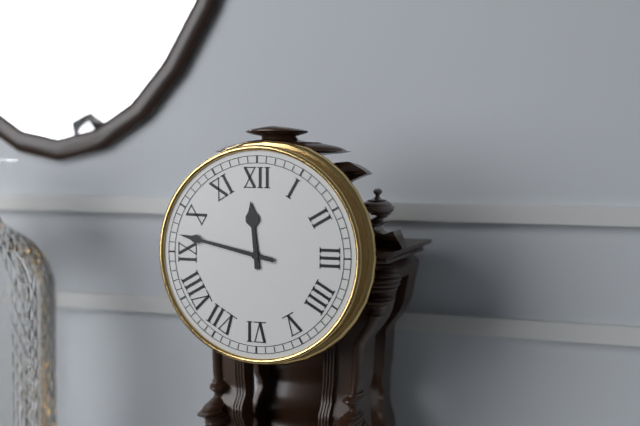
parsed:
11 h 47 min
